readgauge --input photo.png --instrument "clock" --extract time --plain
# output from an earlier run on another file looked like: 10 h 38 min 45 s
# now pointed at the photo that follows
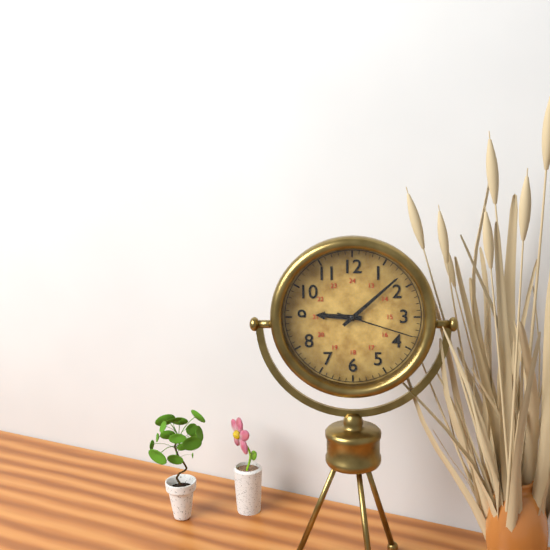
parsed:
9 h 08 min 18 s
